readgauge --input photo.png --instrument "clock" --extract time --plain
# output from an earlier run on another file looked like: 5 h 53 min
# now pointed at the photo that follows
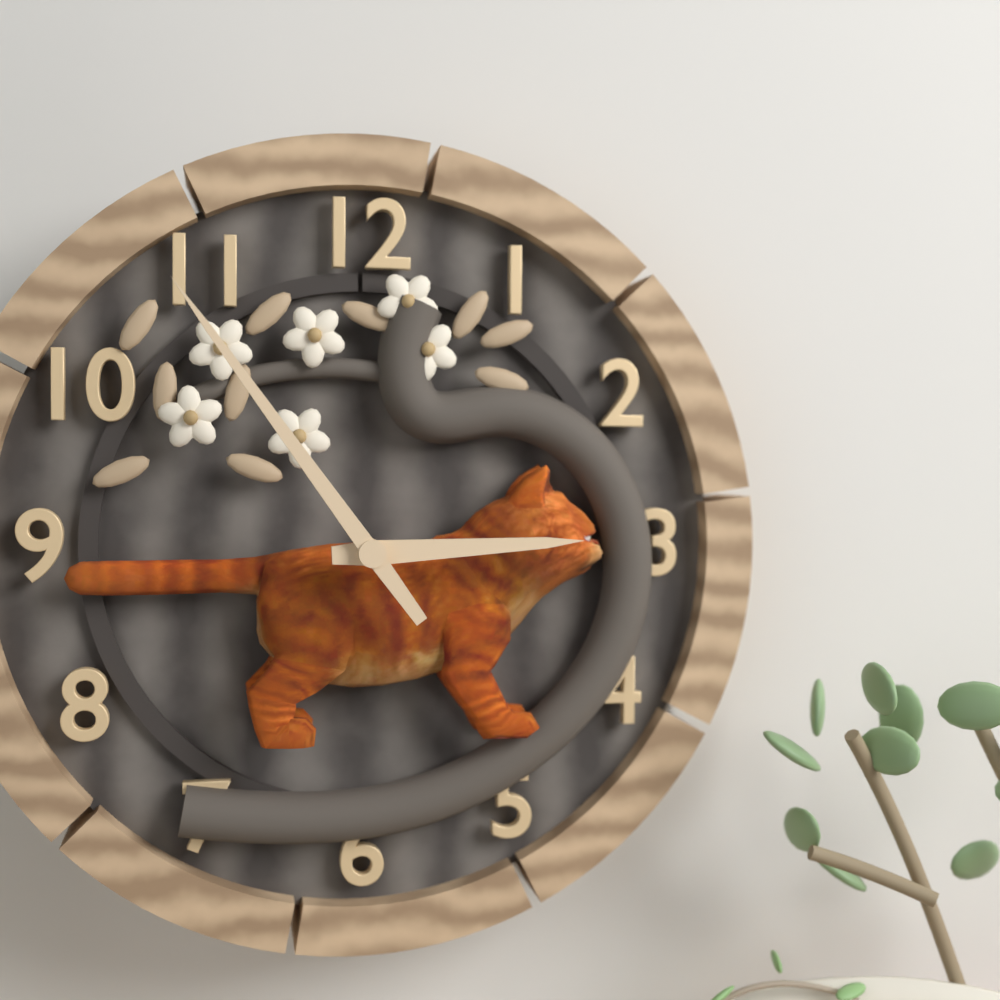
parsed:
2 h 54 min
